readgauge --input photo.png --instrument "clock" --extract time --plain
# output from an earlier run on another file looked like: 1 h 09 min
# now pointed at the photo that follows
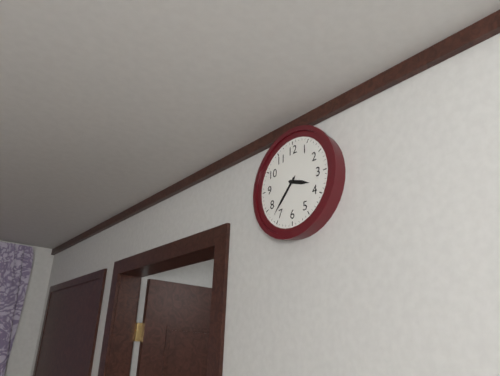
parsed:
3 h 37 min
